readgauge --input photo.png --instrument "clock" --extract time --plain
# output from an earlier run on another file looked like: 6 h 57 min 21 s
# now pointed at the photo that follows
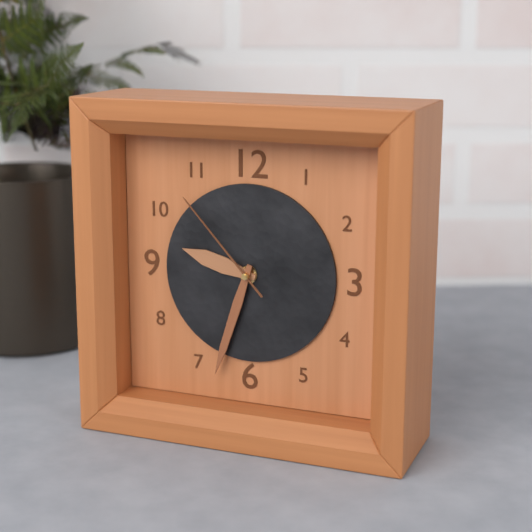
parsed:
9 h 33 min 53 s
